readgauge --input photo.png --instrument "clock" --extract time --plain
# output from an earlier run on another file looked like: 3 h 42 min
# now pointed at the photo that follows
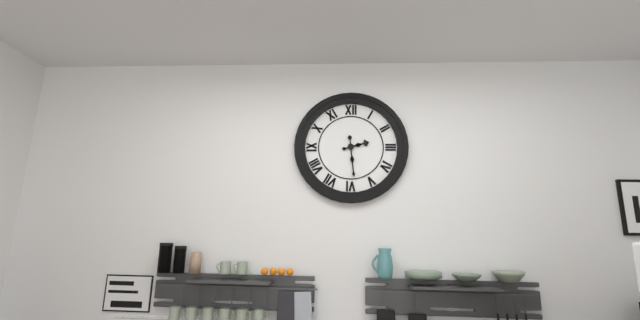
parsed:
2 h 29 min
